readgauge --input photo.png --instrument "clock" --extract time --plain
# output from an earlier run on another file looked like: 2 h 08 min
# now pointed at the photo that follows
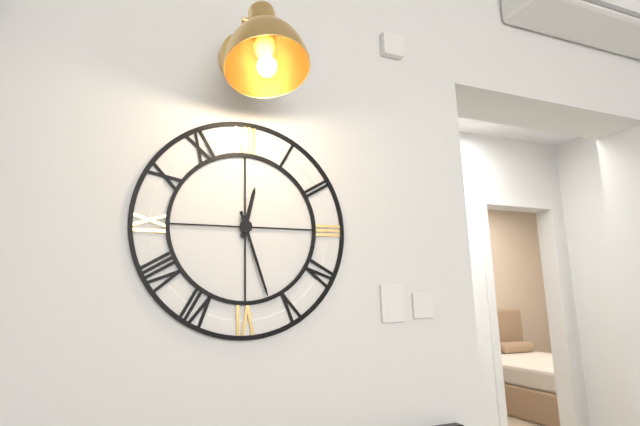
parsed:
12 h 27 min
